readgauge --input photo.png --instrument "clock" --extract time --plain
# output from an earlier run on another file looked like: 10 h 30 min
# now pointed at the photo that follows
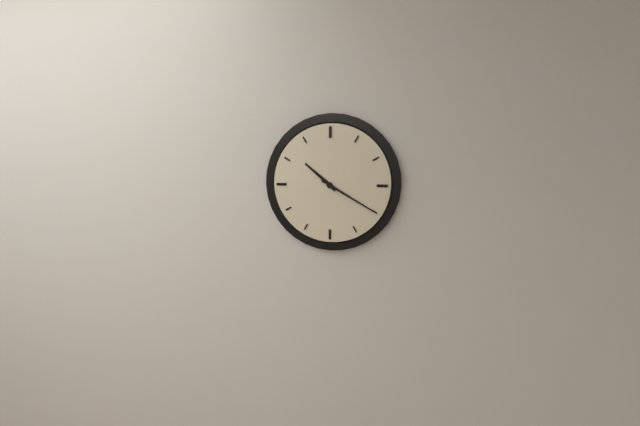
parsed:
10 h 20 min
